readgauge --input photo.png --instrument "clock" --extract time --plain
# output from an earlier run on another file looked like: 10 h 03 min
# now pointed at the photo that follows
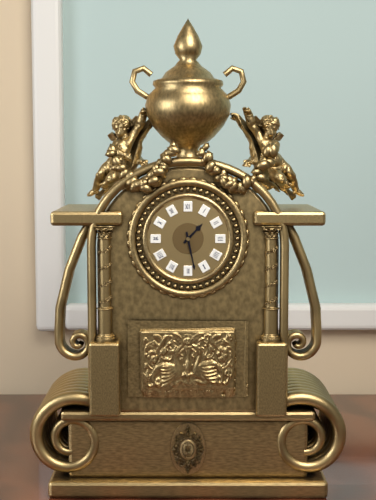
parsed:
1 h 28 min
